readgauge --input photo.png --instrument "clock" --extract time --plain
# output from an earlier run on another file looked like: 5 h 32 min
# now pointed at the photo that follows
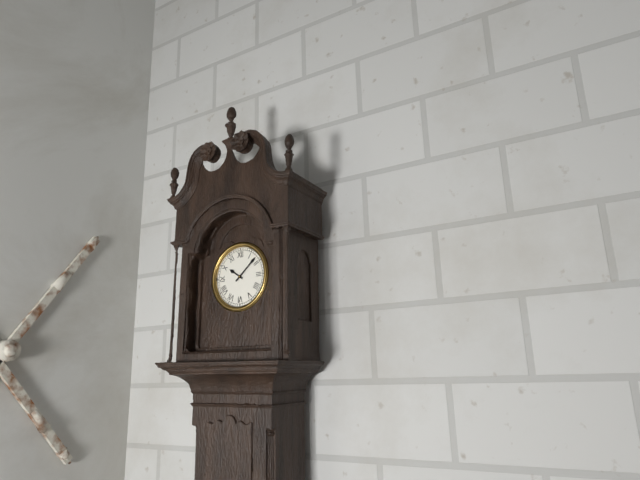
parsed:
10 h 08 min
